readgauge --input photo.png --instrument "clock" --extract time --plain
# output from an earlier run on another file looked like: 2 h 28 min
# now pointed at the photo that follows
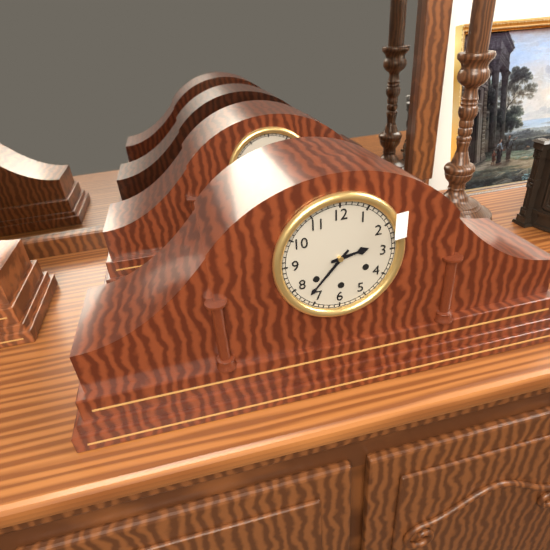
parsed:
2 h 37 min
